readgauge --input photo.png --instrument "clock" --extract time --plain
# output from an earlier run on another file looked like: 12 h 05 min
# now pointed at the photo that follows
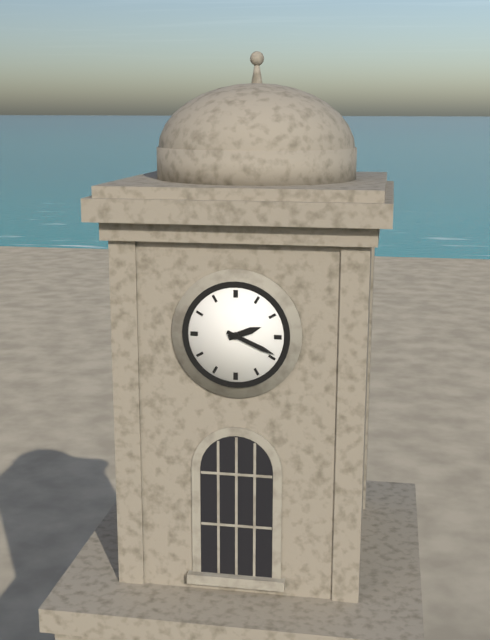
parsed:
2 h 19 min
